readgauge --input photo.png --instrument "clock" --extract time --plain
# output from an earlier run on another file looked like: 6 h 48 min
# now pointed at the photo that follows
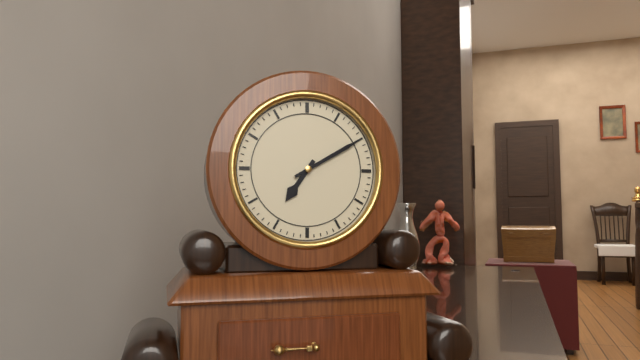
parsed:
7 h 10 min
